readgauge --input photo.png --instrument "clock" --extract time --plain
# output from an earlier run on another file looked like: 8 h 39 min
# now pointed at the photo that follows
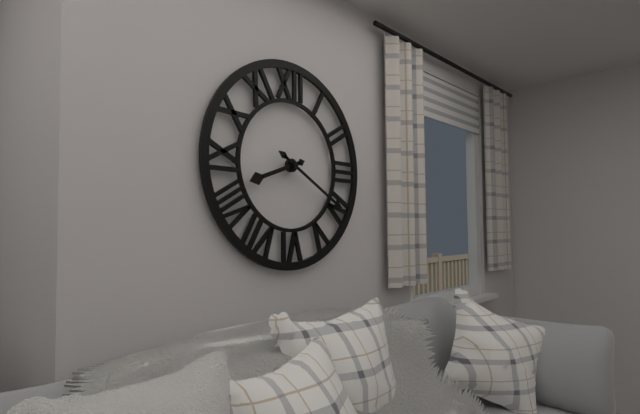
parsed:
8 h 20 min
